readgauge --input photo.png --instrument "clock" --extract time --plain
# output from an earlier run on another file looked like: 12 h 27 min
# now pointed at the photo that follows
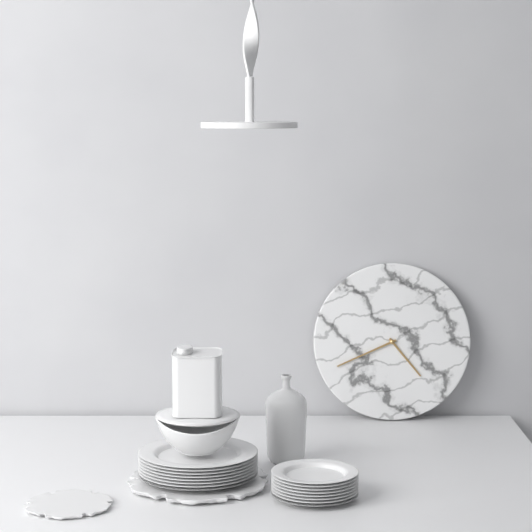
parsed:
4 h 41 min
